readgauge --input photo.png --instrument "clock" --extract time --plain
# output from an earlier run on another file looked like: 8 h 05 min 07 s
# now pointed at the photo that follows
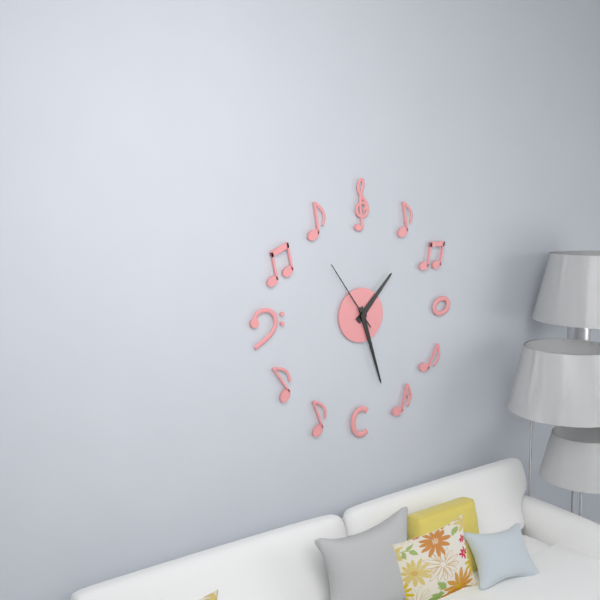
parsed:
1 h 27 min 54 s
